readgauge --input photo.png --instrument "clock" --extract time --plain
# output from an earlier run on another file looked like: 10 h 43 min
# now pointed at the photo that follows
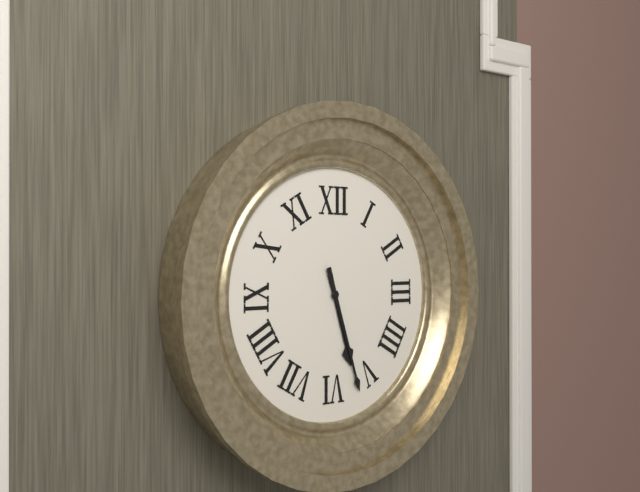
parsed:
5 h 27 min
